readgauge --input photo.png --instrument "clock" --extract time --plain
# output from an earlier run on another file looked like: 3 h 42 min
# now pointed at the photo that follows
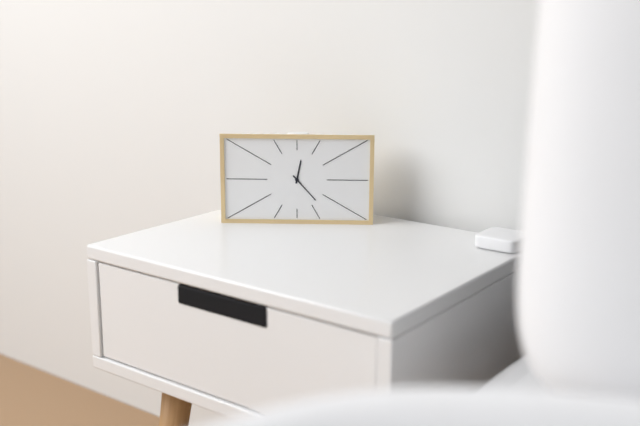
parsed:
12 h 23 min
